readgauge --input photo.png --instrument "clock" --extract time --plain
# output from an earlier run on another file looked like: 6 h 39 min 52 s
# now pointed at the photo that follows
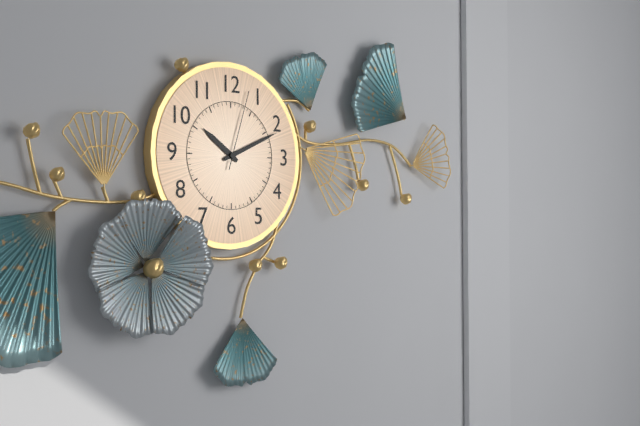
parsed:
10 h 11 min 03 s
